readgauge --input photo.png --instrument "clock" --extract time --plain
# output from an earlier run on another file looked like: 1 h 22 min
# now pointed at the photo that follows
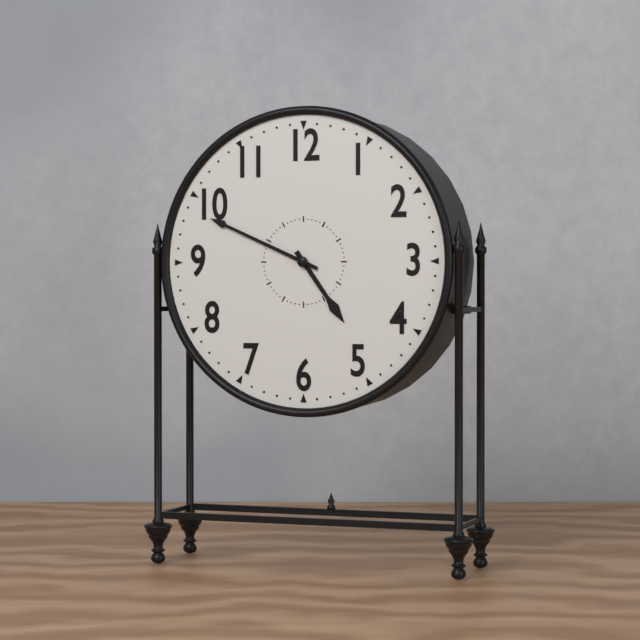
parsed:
4 h 49 min
